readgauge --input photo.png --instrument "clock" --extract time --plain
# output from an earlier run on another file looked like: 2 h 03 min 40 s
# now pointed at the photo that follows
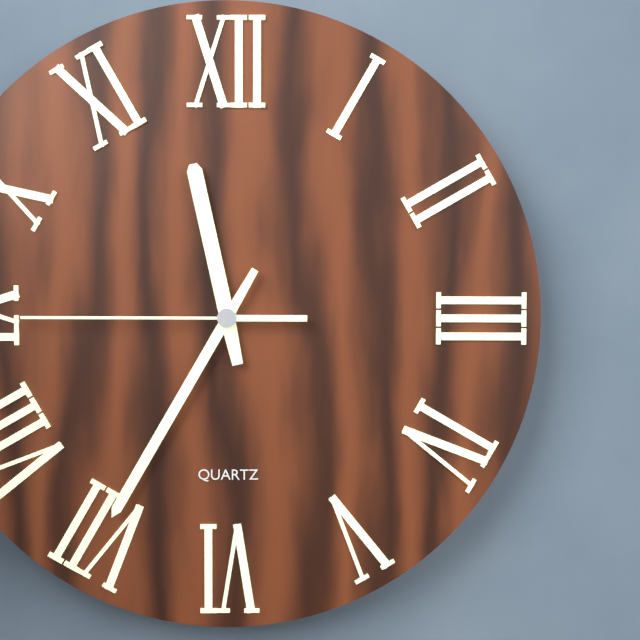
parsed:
11 h 35 min 45 s
